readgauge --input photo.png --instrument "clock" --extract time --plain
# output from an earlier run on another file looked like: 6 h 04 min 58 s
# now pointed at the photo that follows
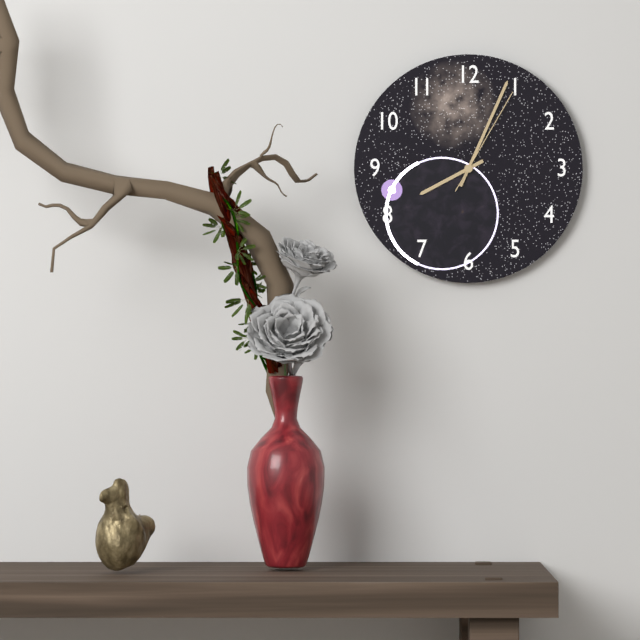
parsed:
8 h 04 min 05 s
